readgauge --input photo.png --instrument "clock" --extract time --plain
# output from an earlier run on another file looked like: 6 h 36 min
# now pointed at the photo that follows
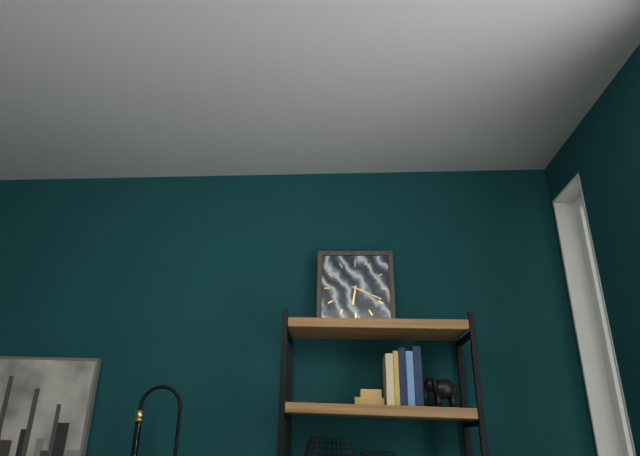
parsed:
6 h 19 min
